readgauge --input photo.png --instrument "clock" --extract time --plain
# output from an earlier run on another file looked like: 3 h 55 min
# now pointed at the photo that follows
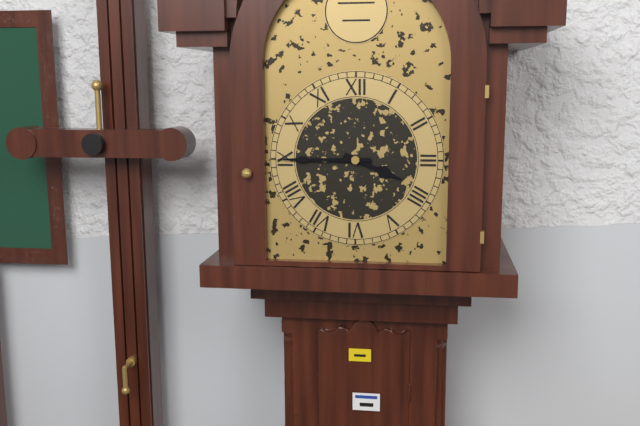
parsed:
3 h 45 min
